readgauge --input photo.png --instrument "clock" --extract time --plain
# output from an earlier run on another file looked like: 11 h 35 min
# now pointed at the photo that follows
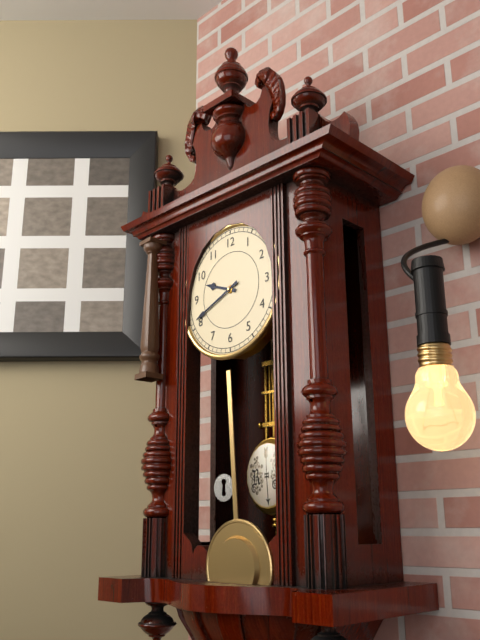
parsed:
9 h 41 min
